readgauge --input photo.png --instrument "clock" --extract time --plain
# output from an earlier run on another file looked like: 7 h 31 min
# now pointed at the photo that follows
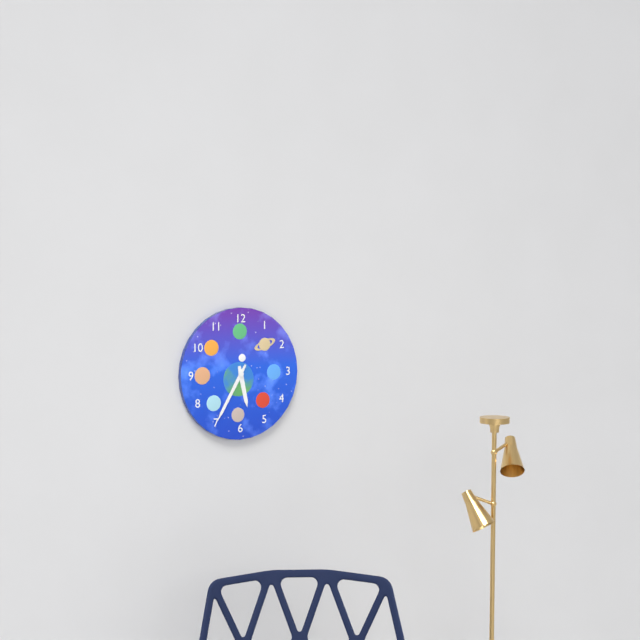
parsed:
5 h 35 min
